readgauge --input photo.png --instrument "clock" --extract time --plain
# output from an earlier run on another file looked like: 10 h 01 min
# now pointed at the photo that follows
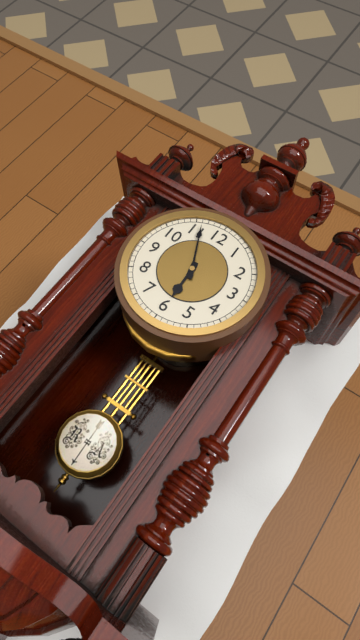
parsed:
5 h 56 min
